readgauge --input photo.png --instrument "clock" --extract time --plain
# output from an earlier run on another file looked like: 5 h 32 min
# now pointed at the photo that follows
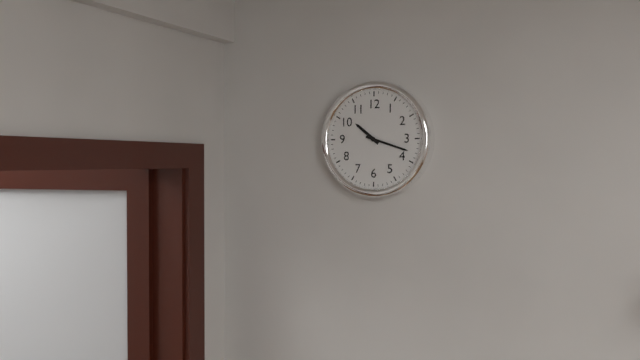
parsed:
10 h 18 min
